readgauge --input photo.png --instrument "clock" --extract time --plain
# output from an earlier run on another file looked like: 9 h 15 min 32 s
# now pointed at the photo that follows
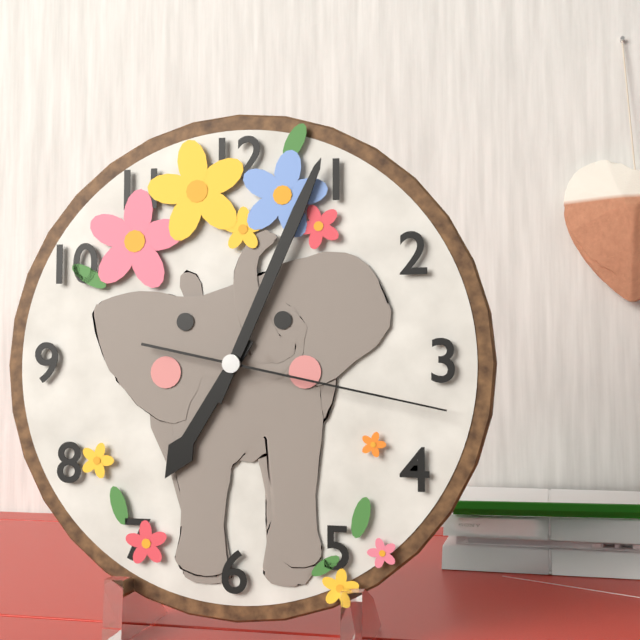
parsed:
7 h 04 min 17 s
